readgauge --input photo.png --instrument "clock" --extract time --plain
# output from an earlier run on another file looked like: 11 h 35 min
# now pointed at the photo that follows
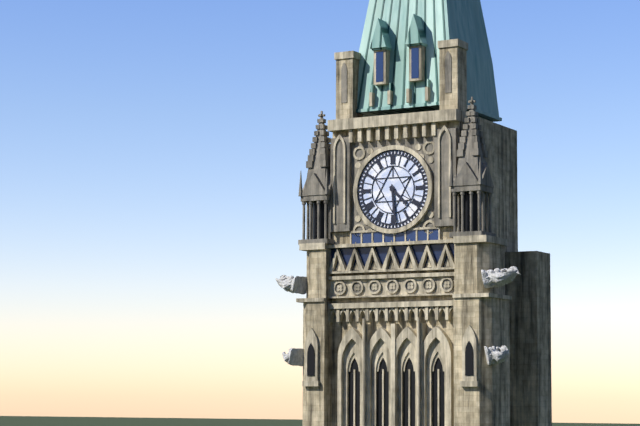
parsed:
4 h 29 min
